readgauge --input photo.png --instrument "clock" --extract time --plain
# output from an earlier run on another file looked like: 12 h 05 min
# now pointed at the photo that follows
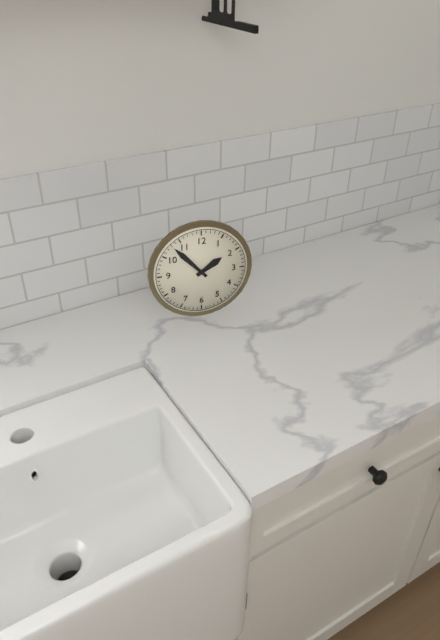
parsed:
1 h 53 min
